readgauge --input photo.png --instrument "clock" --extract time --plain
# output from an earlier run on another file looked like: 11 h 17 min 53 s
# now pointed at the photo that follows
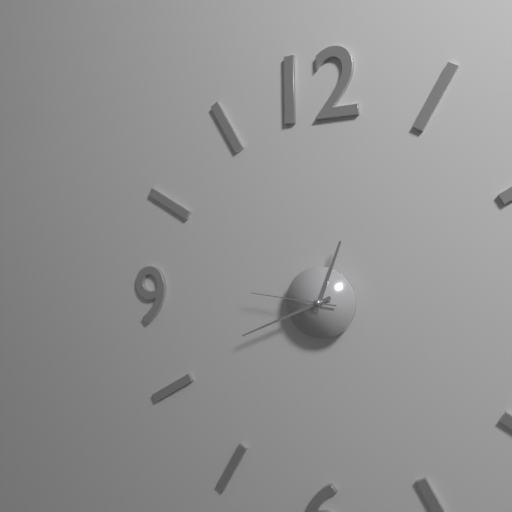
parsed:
12 h 41 min 46 s
